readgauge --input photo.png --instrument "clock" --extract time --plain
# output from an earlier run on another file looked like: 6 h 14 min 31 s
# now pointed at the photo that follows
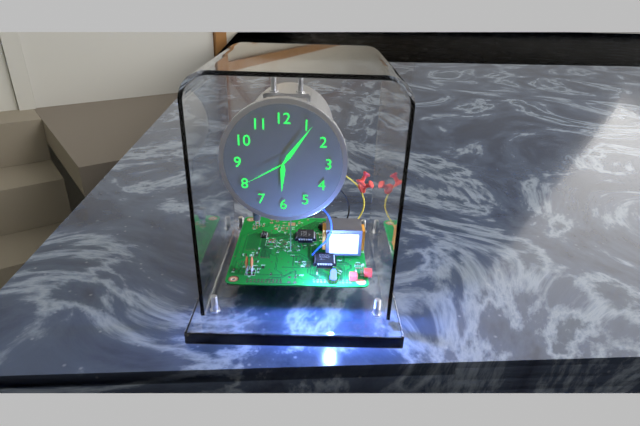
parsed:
6 h 06 min 40 s
